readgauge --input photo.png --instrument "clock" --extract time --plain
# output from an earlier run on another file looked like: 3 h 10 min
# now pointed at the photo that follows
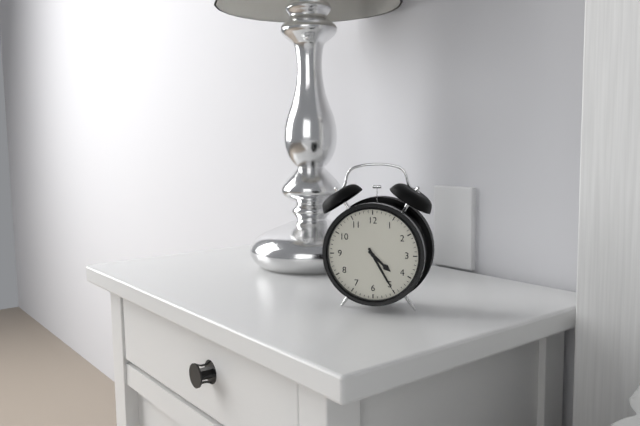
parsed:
4 h 25 min
